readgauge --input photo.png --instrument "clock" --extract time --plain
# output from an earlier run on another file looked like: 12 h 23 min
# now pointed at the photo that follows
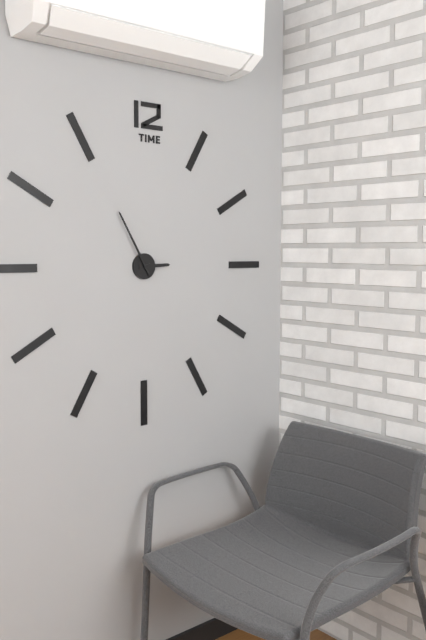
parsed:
2 h 55 min
